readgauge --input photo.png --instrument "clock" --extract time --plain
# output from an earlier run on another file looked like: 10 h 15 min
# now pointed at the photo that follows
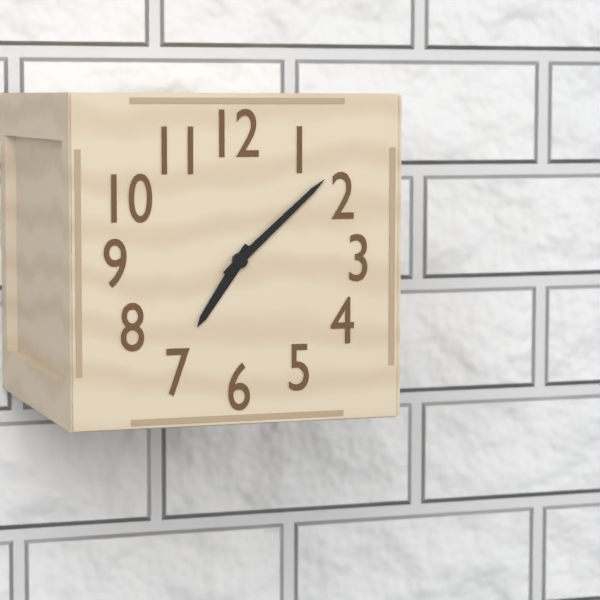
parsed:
7 h 08 min
